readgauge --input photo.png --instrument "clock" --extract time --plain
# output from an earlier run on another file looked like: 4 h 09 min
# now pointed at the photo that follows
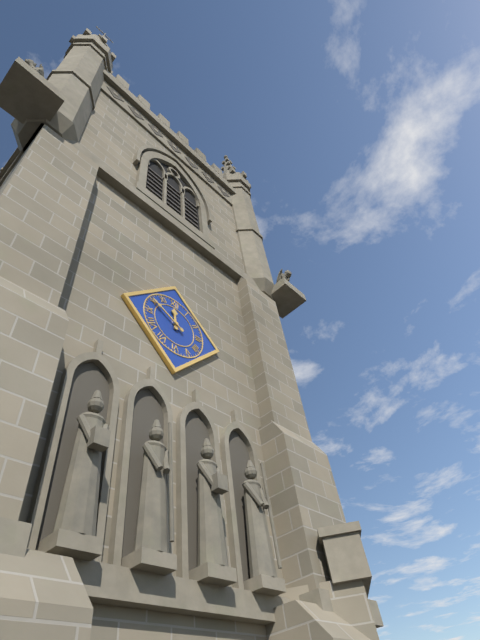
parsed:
11 h 50 min
